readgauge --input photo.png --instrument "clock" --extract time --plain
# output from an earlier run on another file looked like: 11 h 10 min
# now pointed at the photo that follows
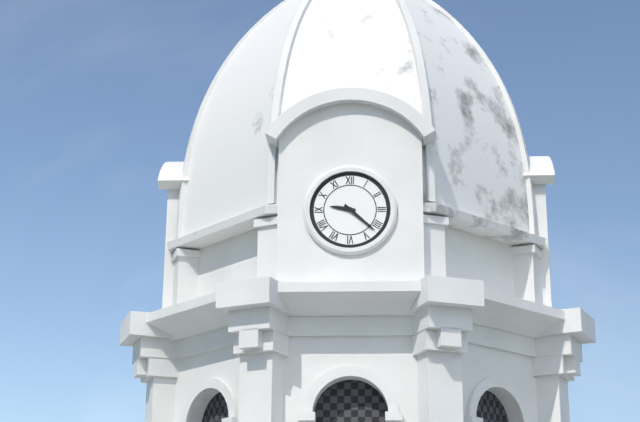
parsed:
9 h 22 min
